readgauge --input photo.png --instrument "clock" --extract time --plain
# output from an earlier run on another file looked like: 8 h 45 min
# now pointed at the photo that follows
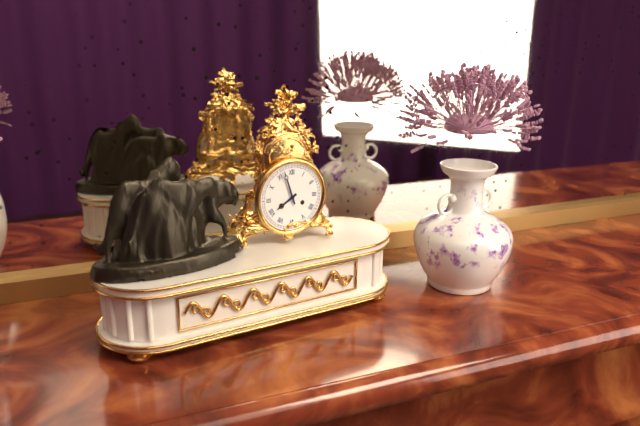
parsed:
7 h 57 min
